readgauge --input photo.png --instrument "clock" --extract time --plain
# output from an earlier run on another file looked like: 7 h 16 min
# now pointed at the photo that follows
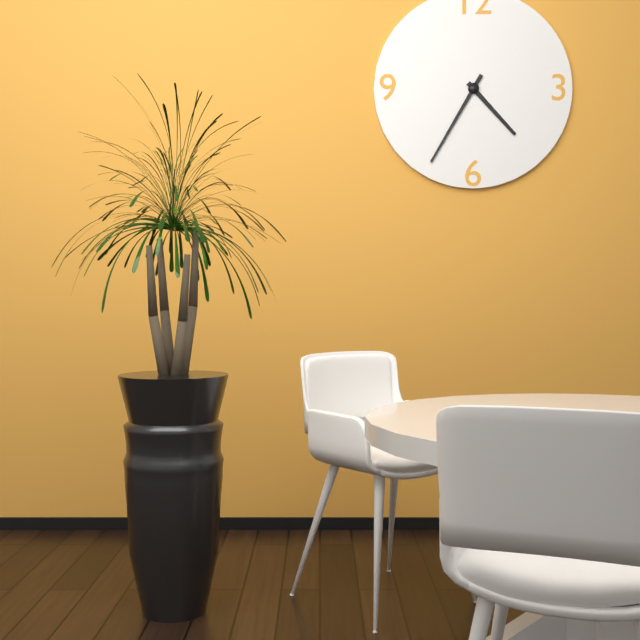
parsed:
4 h 35 min
